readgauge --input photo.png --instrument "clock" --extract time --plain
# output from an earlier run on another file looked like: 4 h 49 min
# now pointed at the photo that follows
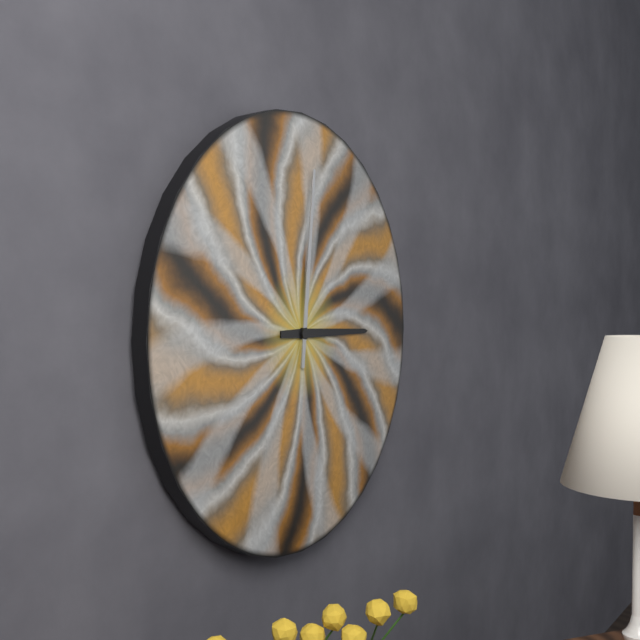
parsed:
3 h 01 min
